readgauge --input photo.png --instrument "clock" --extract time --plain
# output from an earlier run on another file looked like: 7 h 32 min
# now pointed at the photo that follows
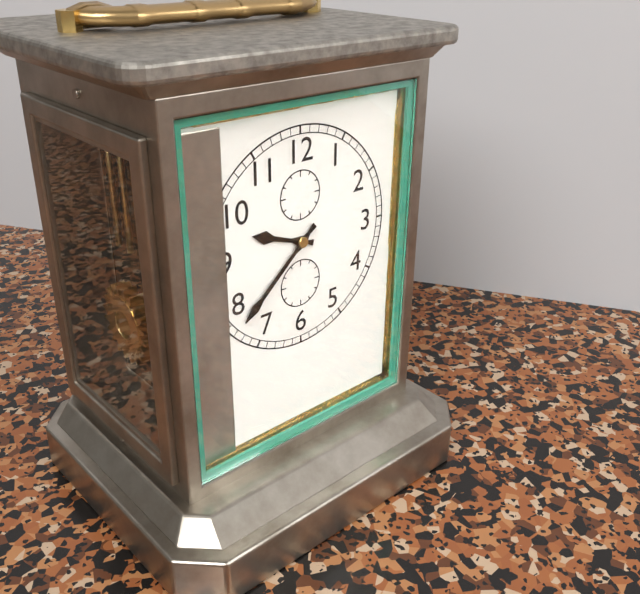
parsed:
9 h 38 min
